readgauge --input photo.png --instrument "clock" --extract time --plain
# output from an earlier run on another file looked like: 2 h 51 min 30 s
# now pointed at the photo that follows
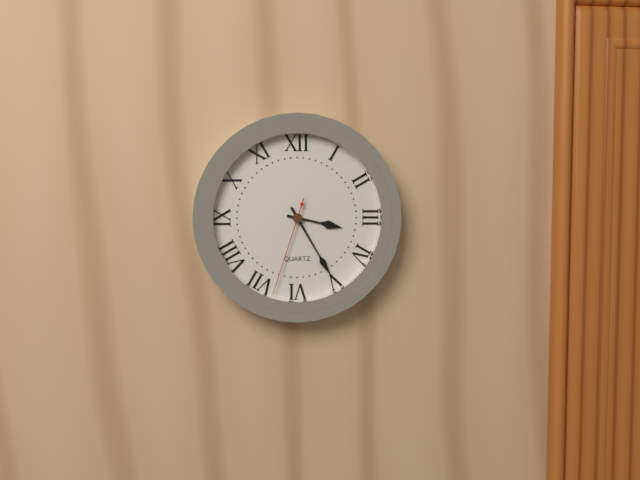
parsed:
3 h 25 min 33 s
